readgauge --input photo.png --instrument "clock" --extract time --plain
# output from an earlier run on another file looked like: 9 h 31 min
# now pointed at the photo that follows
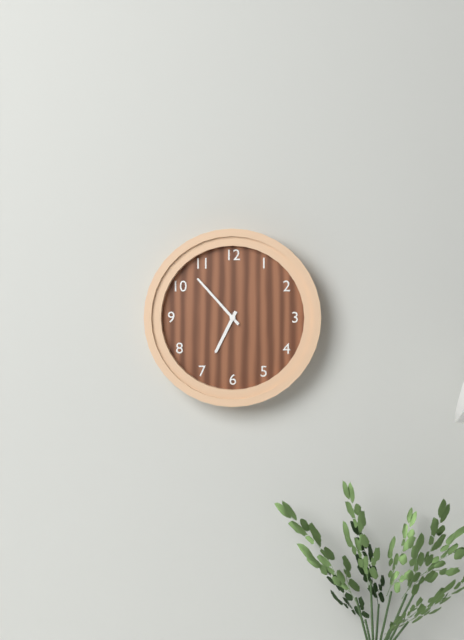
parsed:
6 h 53 min
